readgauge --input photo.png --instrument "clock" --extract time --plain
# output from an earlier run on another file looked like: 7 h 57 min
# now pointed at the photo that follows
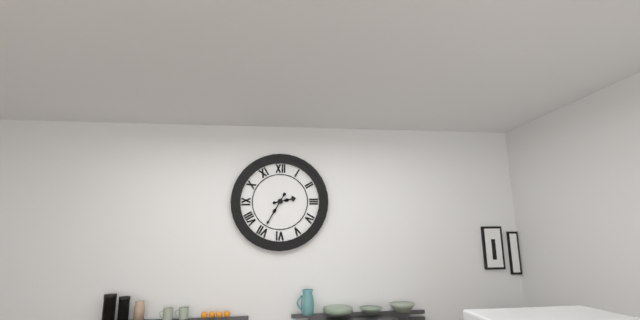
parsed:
2 h 35 min
